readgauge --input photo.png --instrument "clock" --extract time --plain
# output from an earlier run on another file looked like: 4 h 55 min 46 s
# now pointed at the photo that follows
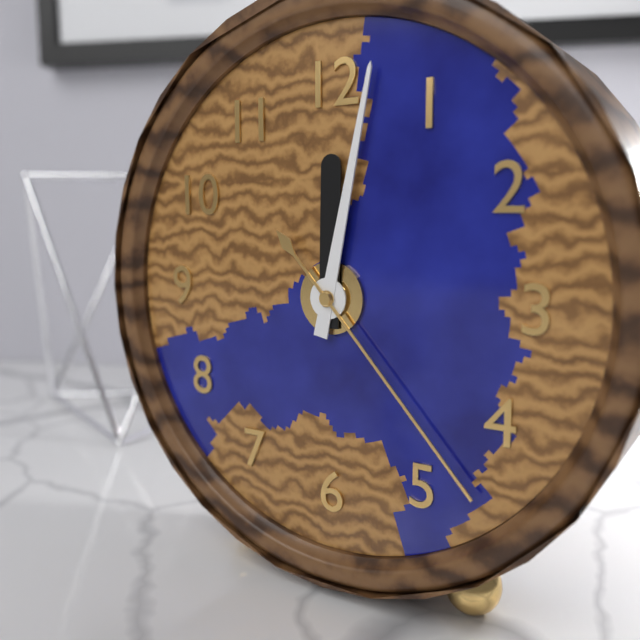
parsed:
12 h 02 min 23 s
